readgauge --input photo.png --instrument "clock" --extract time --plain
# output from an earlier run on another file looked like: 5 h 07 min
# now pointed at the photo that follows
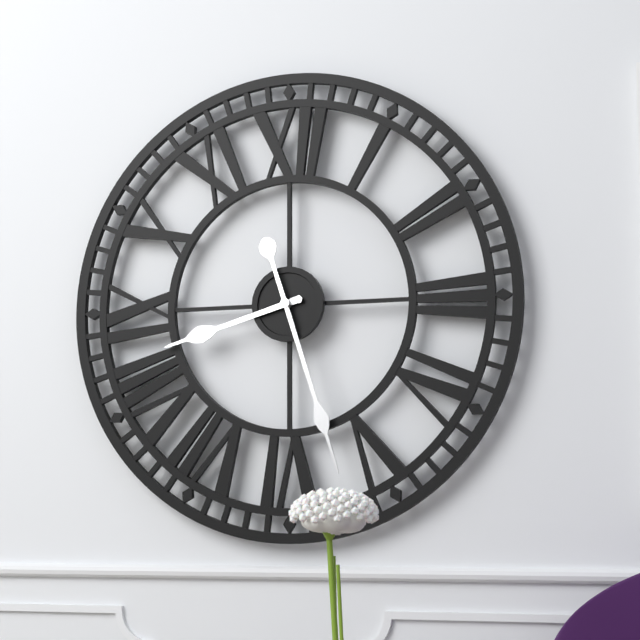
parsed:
8 h 27 min
